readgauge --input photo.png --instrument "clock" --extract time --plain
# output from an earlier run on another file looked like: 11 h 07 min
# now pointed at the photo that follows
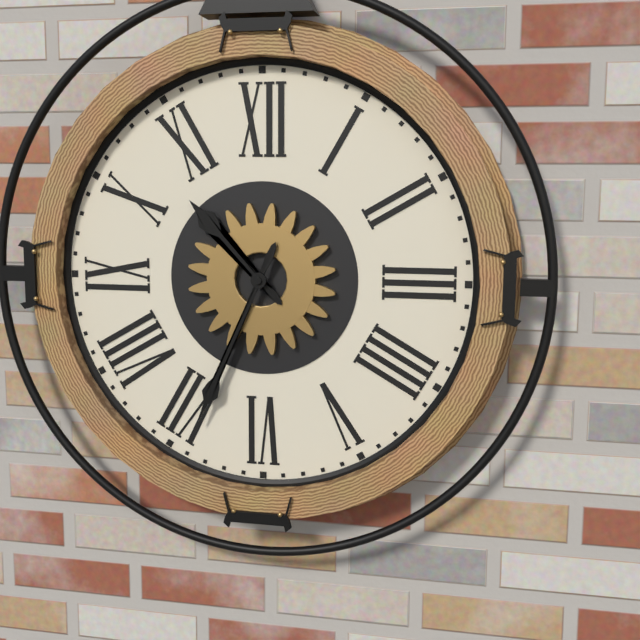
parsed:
10 h 34 min
